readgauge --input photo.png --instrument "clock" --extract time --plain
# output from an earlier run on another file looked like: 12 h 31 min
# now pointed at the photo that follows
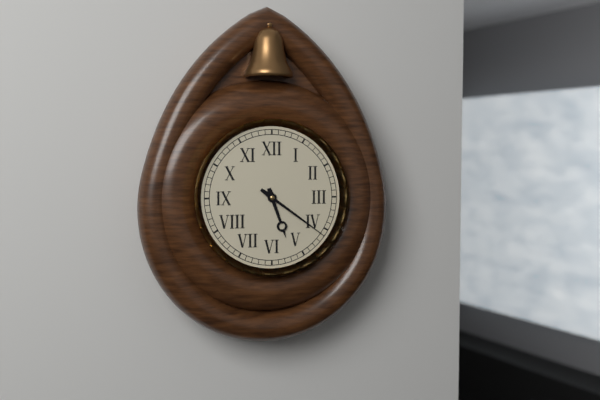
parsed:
5 h 21 min
